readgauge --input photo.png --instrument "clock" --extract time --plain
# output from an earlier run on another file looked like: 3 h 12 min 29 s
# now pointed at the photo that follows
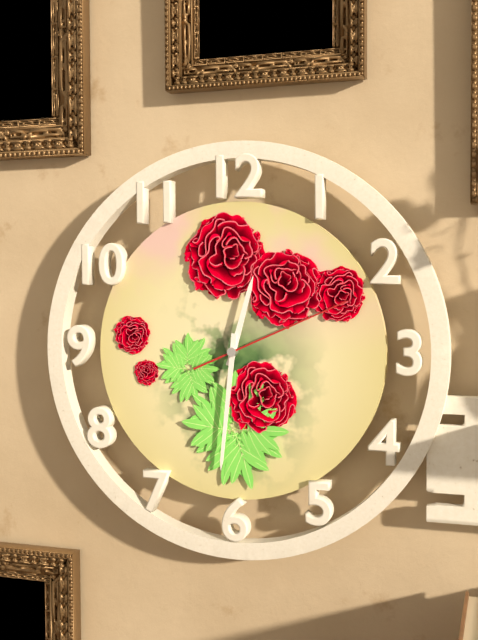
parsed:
12 h 31 min 11 s
